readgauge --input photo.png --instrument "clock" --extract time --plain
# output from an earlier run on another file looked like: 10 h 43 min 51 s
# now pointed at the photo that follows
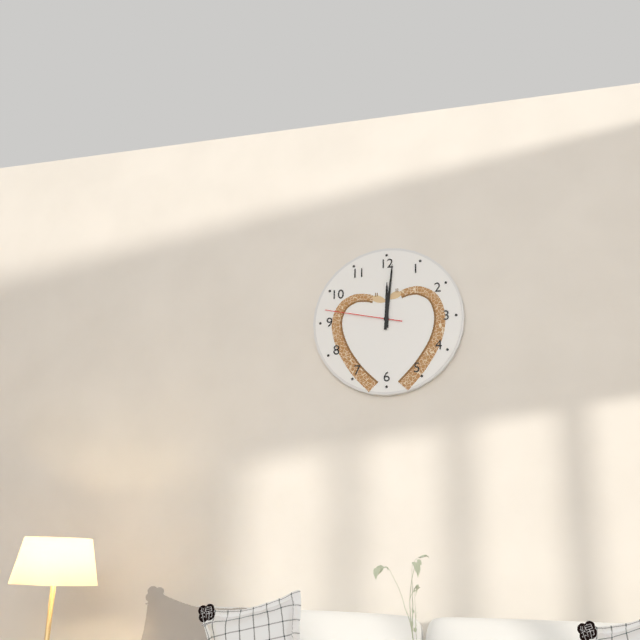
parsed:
12 h 01 min 47 s
